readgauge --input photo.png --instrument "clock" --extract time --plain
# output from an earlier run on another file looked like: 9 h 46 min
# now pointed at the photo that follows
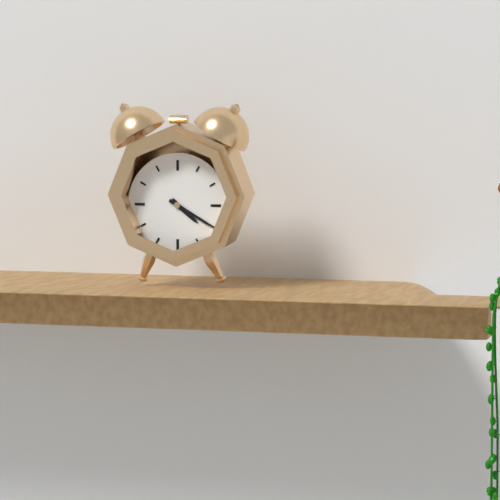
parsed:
4 h 20 min
